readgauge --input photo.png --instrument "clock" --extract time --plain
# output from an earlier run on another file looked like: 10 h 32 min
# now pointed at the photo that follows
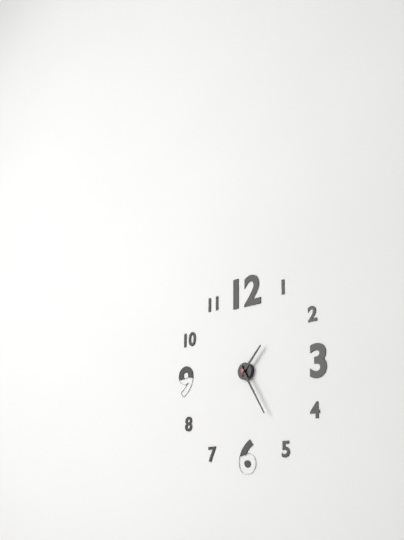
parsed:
1 h 25 min
